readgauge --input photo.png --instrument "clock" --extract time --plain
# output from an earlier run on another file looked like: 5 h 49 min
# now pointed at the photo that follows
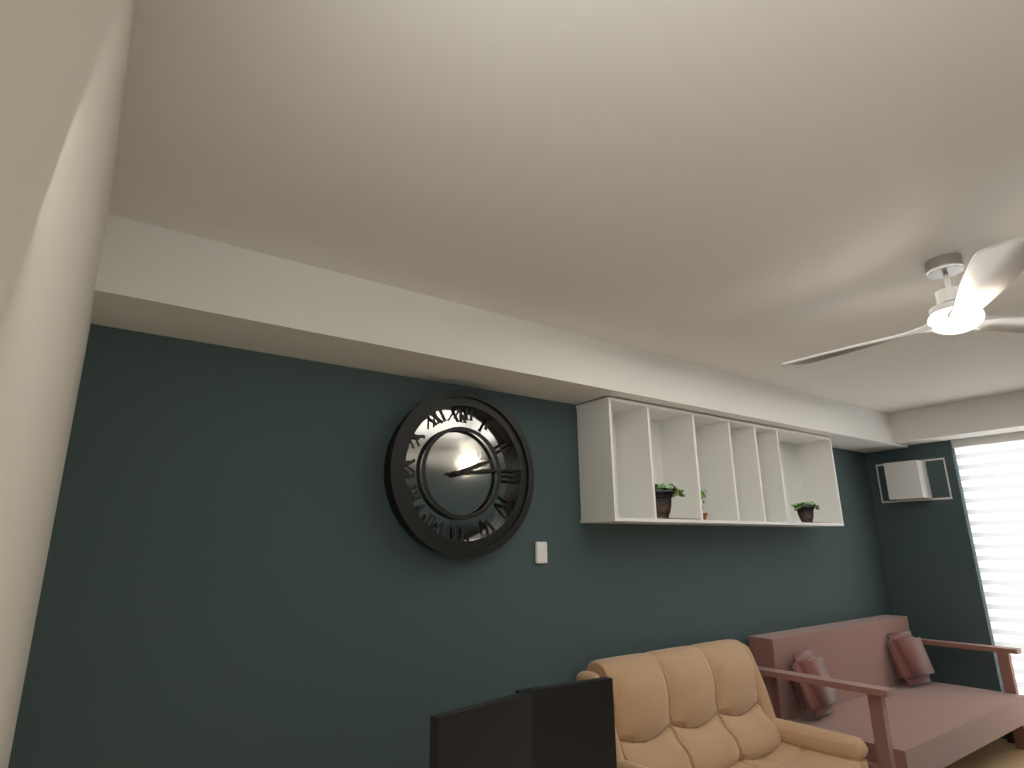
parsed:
2 h 14 min
